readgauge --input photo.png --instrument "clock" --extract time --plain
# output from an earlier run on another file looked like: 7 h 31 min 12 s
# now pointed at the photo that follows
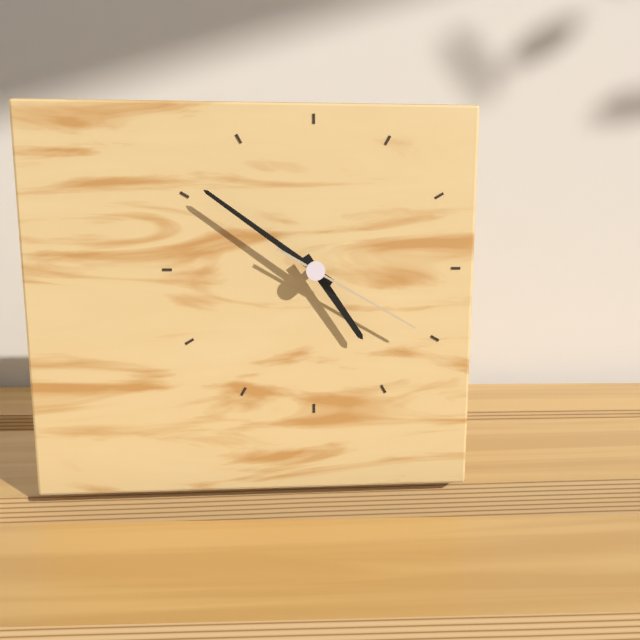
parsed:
4 h 51 min 20 s
